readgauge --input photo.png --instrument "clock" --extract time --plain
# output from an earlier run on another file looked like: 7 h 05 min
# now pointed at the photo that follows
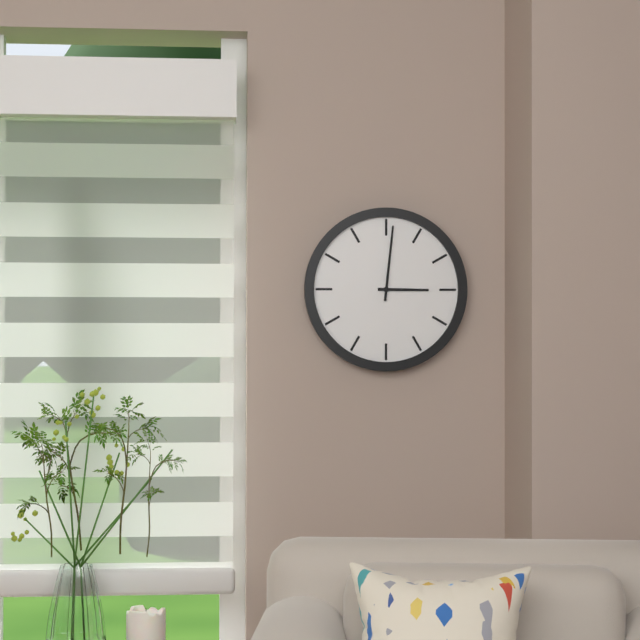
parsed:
3 h 01 min
